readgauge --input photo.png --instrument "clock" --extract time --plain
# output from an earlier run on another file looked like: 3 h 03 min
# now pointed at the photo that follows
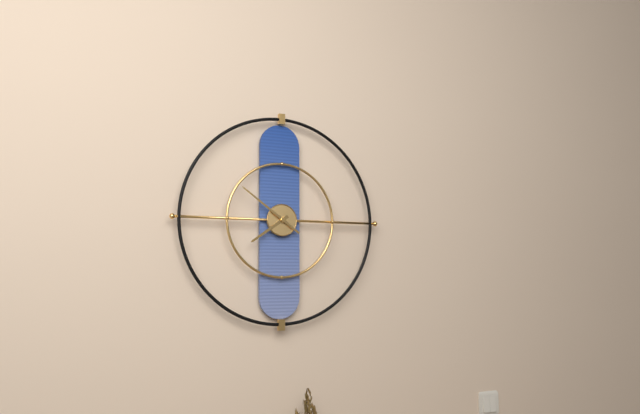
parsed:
7 h 51 min
